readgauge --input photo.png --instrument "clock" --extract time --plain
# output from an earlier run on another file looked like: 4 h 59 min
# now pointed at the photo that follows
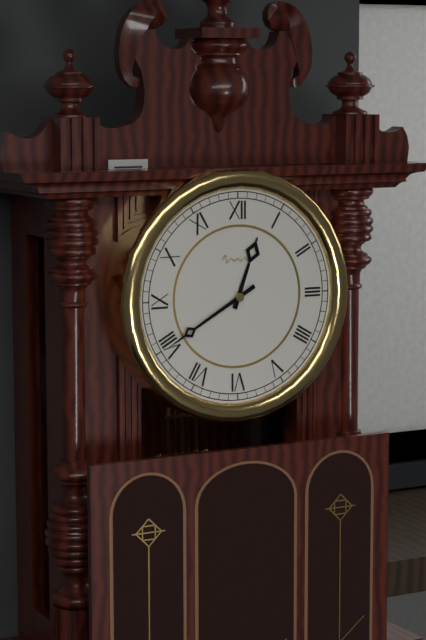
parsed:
12 h 40 min
